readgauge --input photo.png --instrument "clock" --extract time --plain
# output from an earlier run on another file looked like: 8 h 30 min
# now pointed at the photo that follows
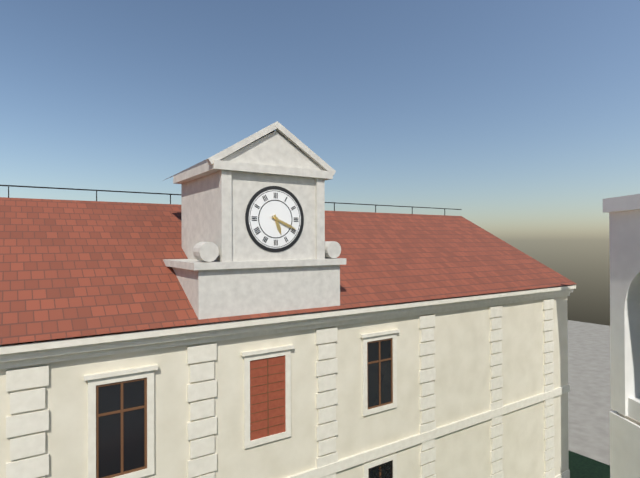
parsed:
5 h 19 min
